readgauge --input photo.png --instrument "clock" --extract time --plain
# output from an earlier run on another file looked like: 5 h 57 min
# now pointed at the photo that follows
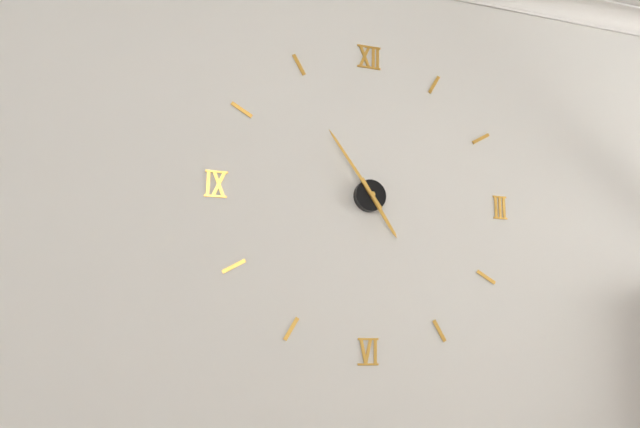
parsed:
4 h 54 min
